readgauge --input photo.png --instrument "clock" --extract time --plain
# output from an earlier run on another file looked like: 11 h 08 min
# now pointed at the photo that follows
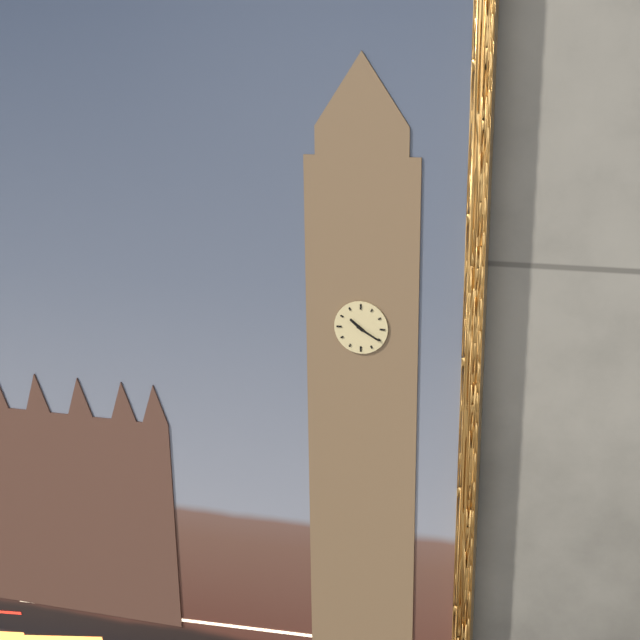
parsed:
10 h 20 min
